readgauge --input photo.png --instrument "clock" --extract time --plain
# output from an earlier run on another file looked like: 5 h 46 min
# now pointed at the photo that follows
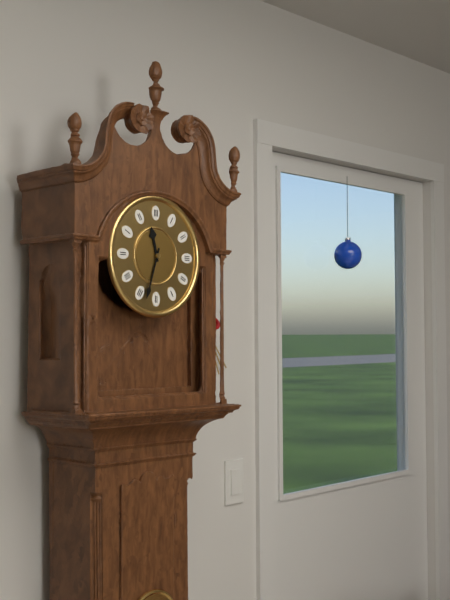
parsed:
11 h 33 min
